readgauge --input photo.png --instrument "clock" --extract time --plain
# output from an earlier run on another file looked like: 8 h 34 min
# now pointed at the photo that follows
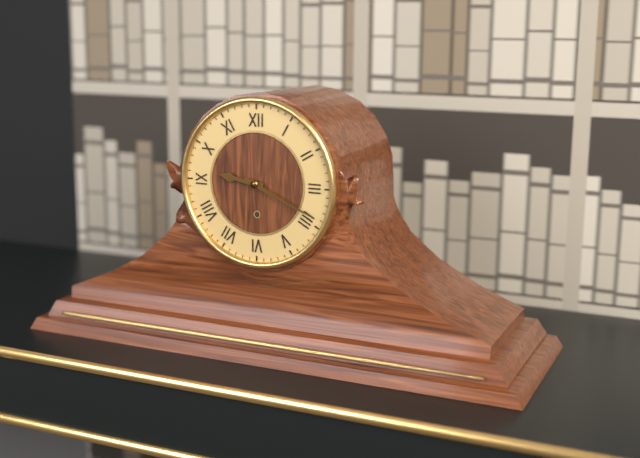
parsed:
9 h 19 min
